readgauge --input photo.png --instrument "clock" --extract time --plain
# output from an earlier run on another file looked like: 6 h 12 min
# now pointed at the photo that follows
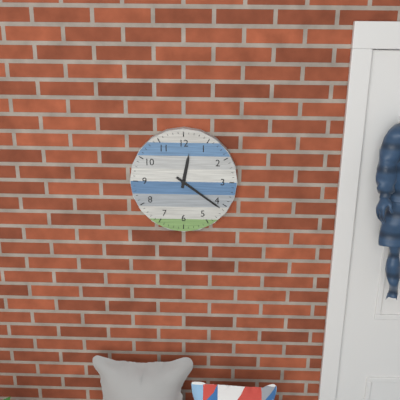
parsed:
12 h 21 min
